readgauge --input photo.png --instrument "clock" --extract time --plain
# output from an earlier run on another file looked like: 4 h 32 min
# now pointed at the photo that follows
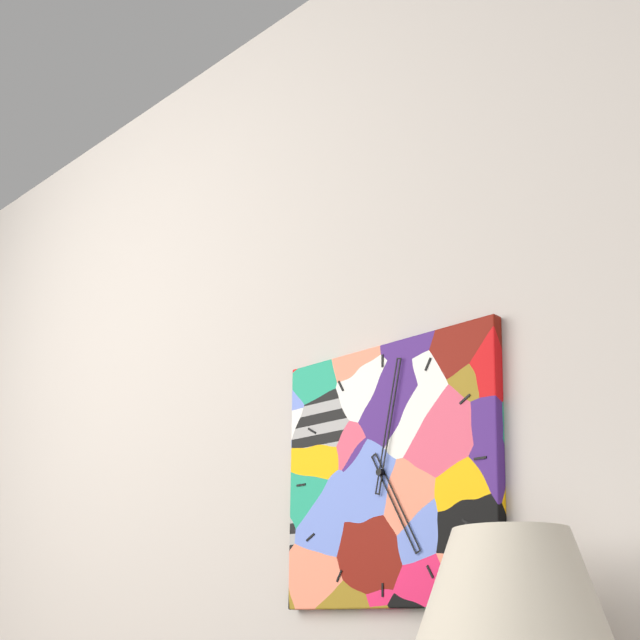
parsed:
5 h 02 min
